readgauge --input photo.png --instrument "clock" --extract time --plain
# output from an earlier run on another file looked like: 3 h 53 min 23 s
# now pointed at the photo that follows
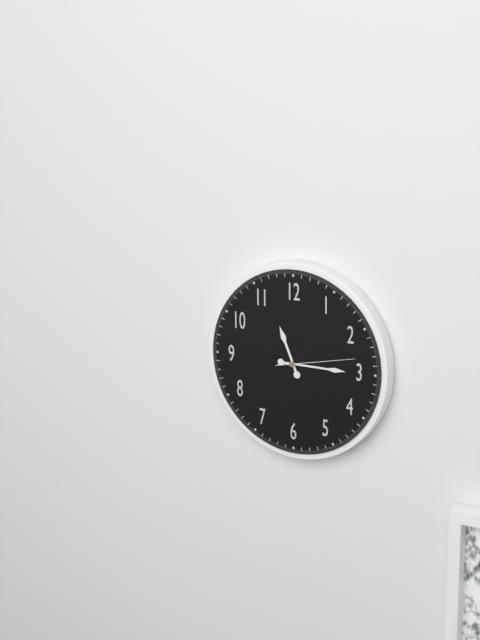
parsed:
11 h 15 min 13 s
